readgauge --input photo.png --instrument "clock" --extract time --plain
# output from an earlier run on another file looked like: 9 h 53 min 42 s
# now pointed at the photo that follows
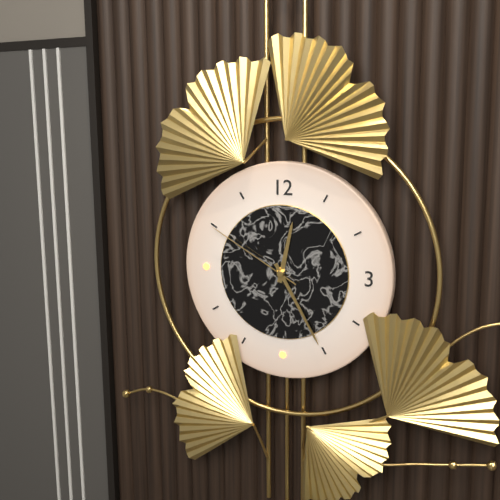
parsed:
12 h 25 min 50 s
